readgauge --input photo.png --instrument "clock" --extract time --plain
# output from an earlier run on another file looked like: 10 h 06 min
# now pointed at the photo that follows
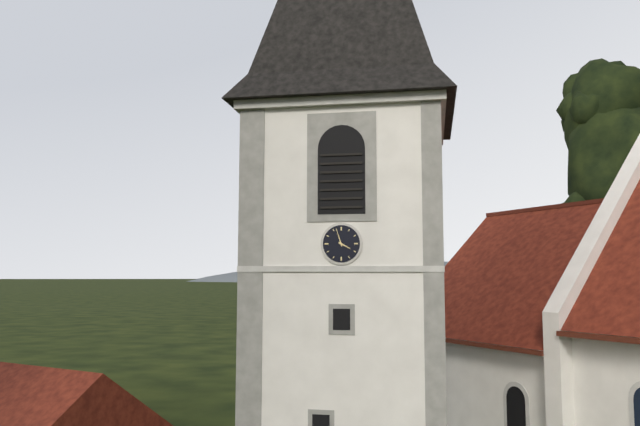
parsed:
3 h 57 min
